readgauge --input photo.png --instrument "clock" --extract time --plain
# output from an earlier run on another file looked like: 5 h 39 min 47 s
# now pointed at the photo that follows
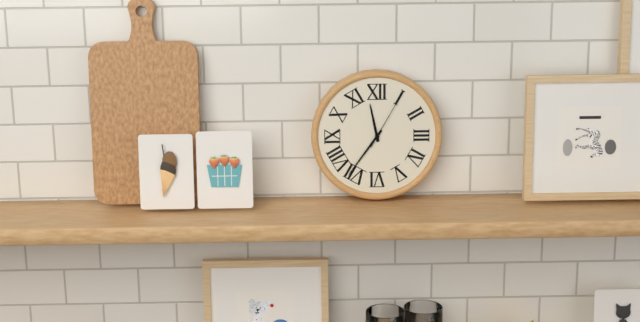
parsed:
11 h 36 min 05 s
